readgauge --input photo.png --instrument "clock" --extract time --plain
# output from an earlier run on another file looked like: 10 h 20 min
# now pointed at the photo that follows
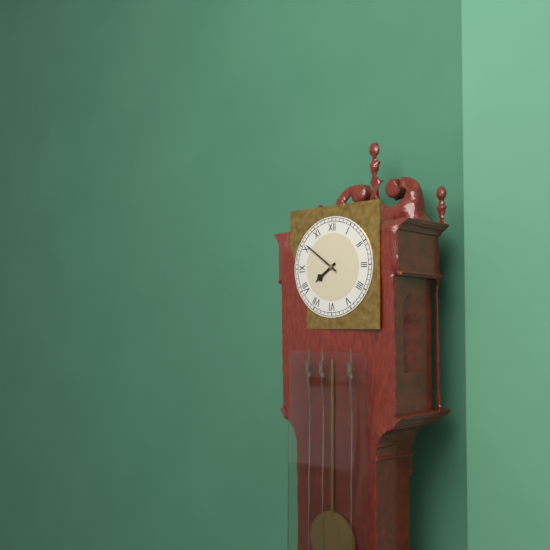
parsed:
7 h 51 min
